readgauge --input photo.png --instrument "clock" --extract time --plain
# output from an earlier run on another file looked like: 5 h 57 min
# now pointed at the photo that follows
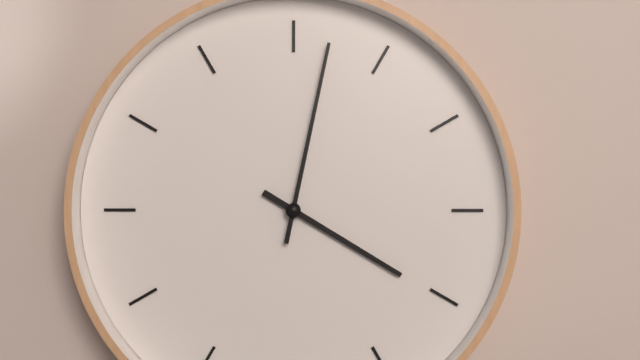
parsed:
4 h 02 min
